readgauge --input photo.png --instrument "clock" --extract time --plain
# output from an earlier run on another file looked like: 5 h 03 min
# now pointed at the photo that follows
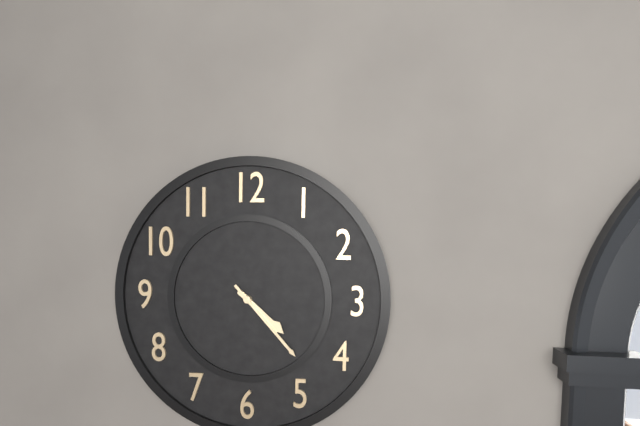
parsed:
4 h 23 min
